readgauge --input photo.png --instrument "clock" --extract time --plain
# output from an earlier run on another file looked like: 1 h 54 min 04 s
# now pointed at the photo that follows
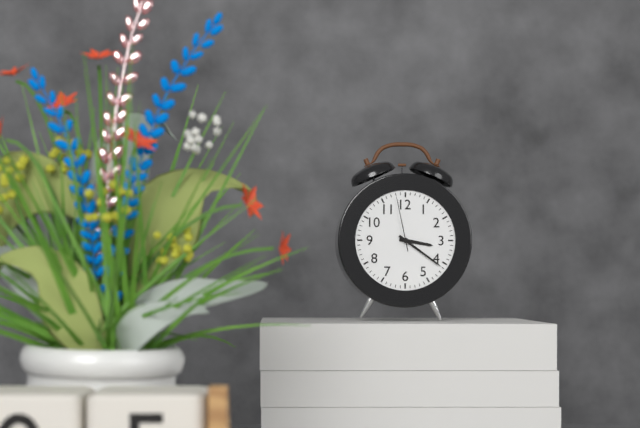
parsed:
3 h 21 min 58 s
